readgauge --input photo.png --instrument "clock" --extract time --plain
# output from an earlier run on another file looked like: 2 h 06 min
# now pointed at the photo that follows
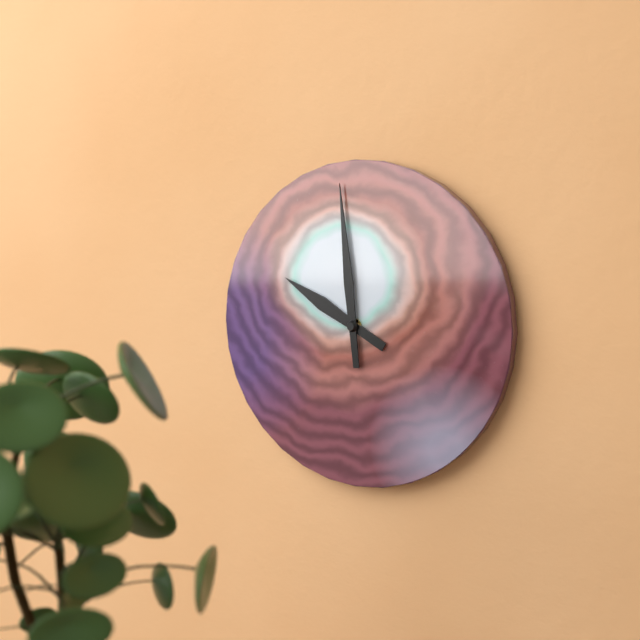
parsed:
9 h 59 min
